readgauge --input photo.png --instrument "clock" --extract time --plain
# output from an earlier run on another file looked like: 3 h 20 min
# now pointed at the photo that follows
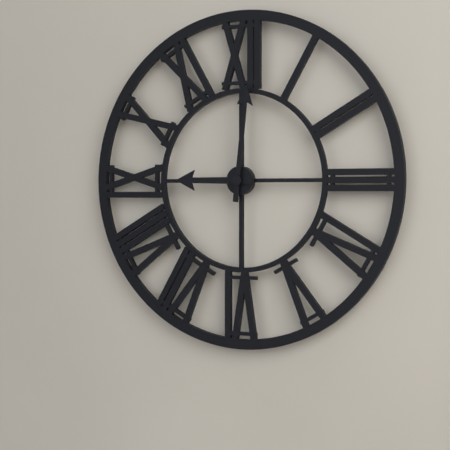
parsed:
9 h 01 min
